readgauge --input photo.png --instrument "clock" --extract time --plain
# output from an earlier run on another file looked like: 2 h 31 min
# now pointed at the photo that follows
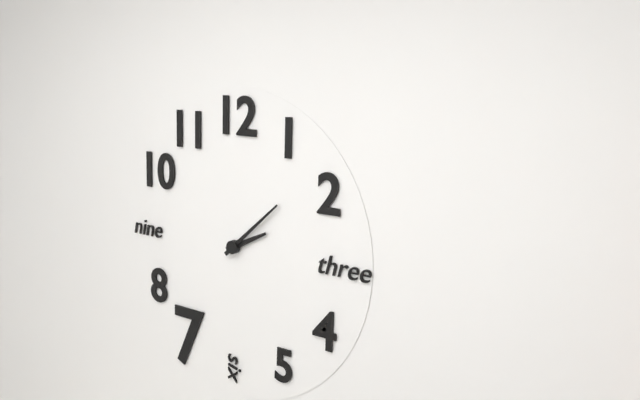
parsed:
2 h 08 min
